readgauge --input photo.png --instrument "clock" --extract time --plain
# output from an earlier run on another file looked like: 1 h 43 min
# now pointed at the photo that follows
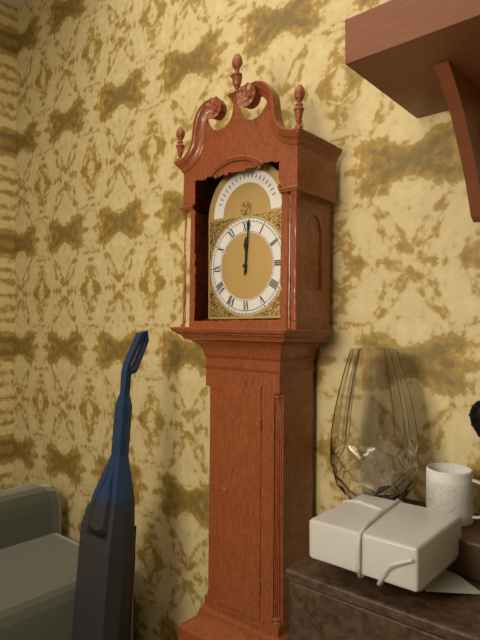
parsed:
12 h 01 min
